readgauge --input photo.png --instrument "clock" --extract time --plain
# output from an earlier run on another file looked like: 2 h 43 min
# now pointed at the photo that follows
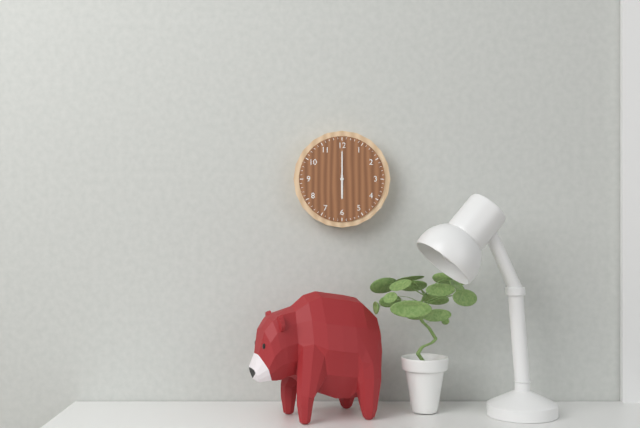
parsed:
6 h 00 min
